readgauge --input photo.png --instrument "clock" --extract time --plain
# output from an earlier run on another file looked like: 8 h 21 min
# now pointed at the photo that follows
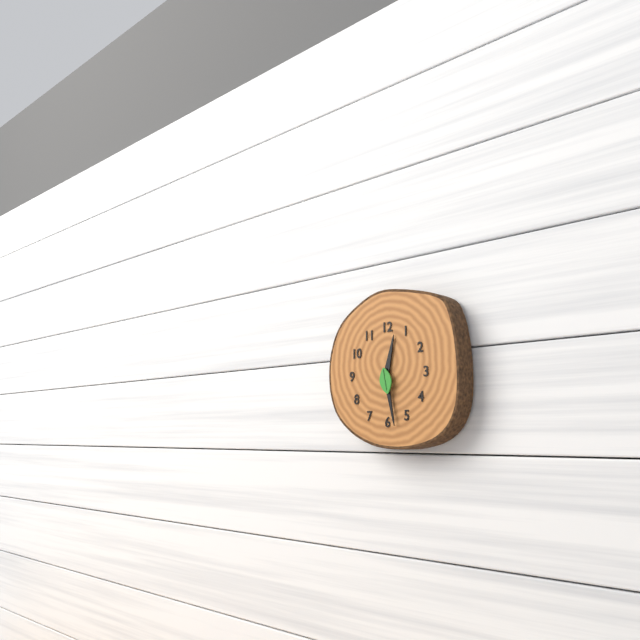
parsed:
12 h 28 min
